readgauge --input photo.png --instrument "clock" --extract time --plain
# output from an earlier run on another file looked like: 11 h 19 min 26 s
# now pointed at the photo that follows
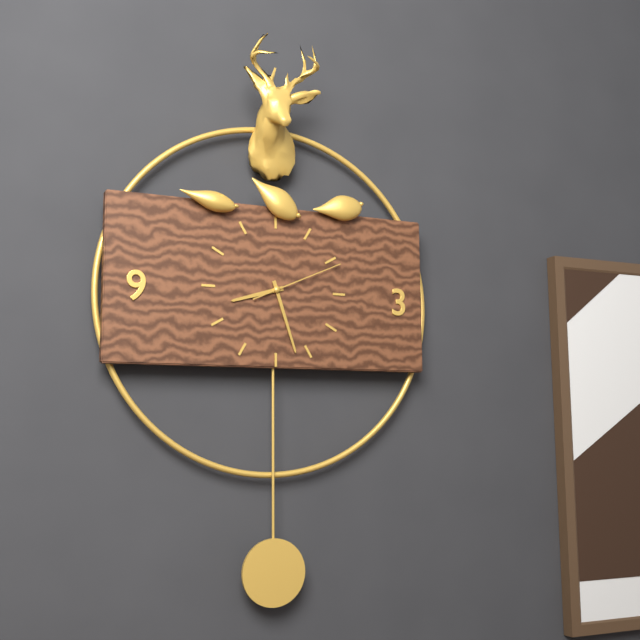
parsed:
8 h 27 min 11 s
